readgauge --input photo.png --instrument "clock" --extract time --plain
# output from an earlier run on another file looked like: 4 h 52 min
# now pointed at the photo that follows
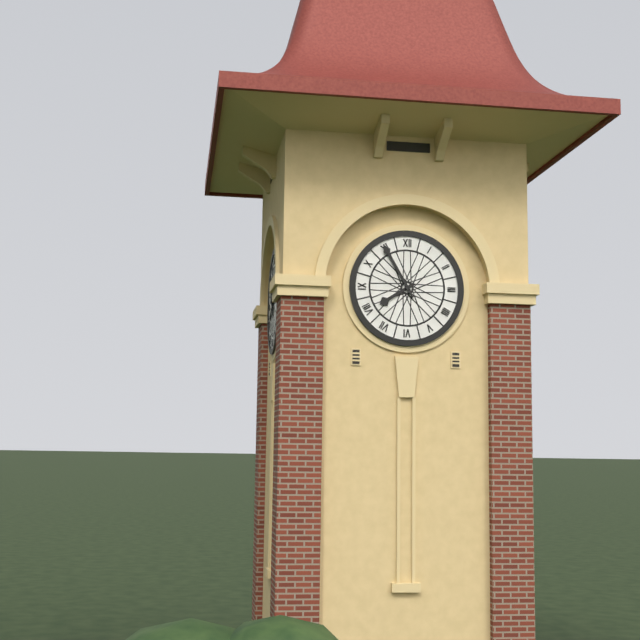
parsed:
7 h 55 min
